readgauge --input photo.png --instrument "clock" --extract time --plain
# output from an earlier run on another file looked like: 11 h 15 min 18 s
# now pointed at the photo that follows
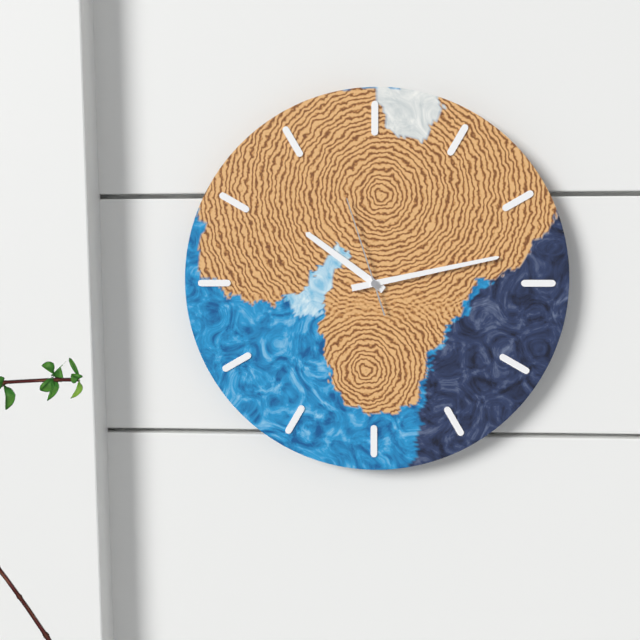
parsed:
10 h 13 min 57 s
